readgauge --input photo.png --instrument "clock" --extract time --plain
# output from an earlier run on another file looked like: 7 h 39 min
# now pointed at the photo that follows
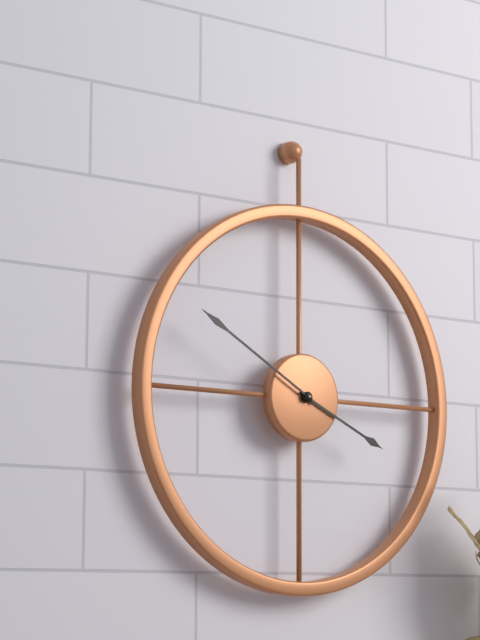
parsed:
3 h 50 min
